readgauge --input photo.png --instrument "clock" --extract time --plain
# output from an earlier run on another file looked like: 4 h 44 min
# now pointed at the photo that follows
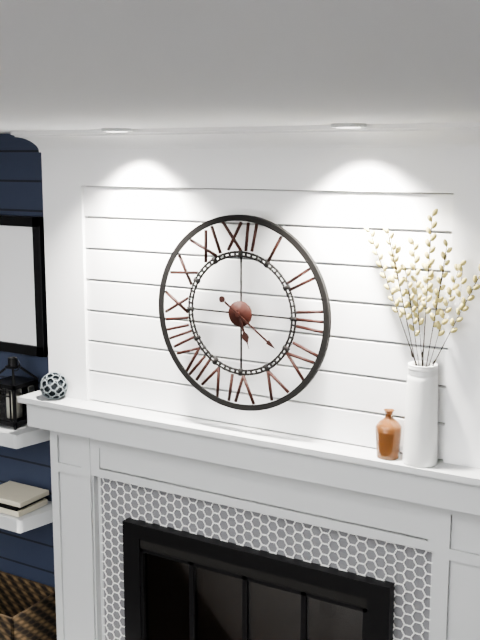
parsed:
5 h 21 min
